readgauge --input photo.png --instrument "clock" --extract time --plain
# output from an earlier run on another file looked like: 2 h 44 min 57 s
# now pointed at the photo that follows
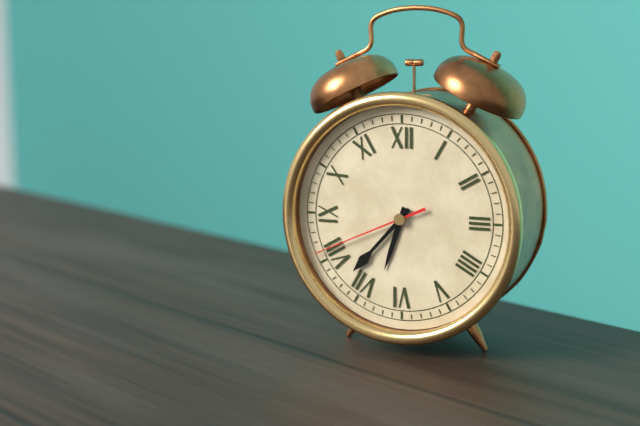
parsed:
6 h 37 min 41 s
